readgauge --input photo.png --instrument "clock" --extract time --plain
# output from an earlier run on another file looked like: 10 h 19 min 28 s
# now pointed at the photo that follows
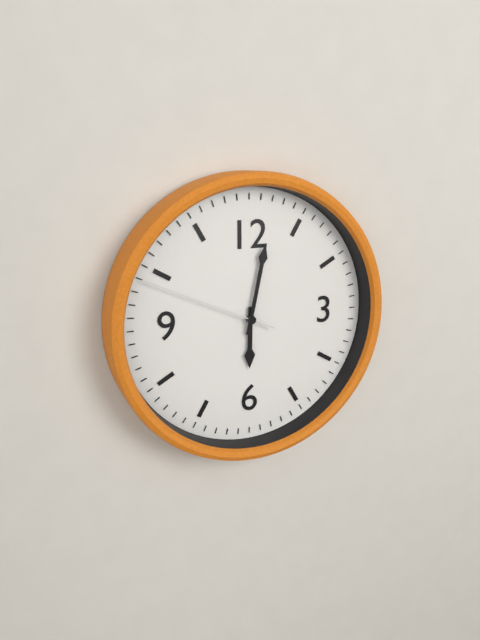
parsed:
6 h 02 min 49 s
